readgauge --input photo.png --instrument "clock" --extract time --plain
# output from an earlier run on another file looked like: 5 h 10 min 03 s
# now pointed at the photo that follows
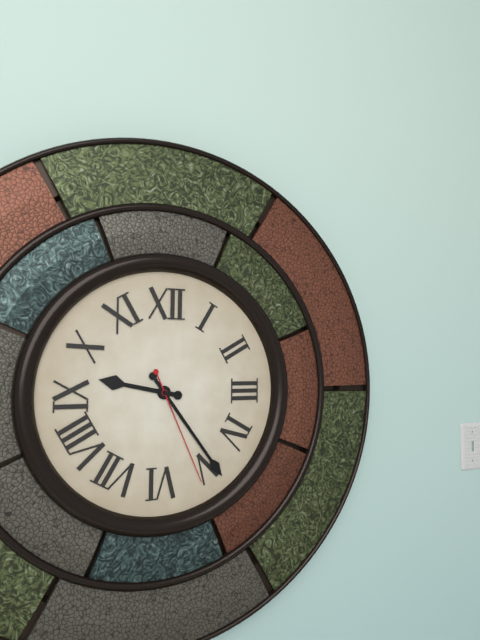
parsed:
9 h 24 min 26 s
